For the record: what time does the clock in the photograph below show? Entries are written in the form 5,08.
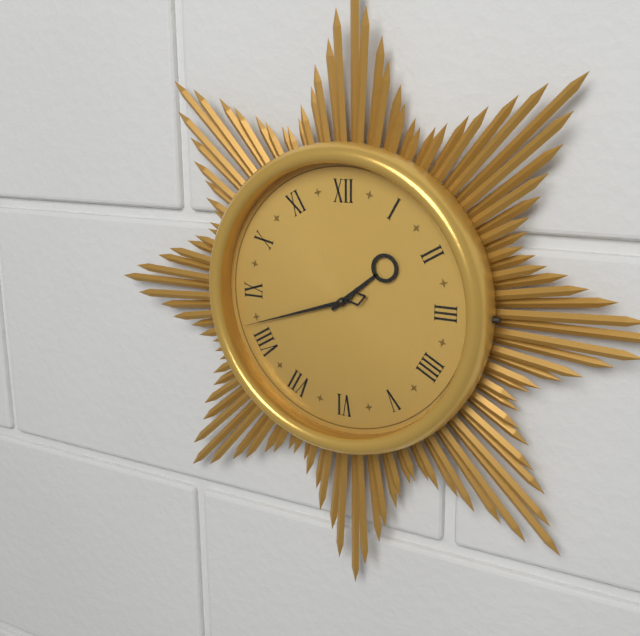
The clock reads 1,42
